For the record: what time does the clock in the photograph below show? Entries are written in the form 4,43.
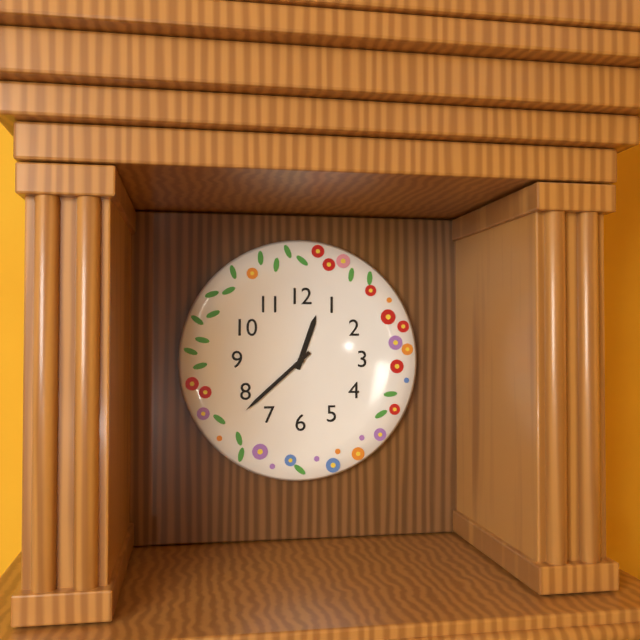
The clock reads 12,38
